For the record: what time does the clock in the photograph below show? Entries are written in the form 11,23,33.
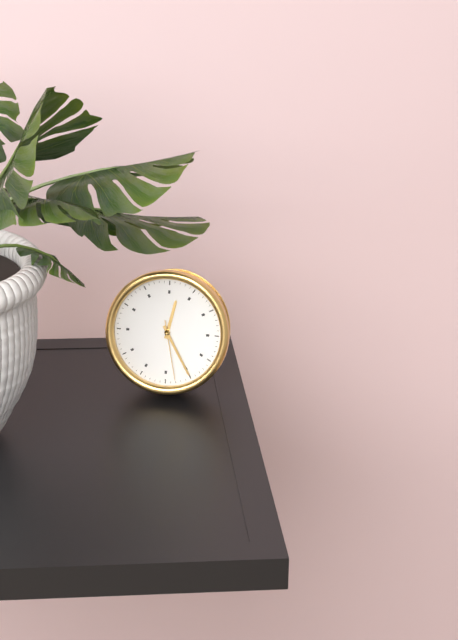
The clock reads 12,25,28
